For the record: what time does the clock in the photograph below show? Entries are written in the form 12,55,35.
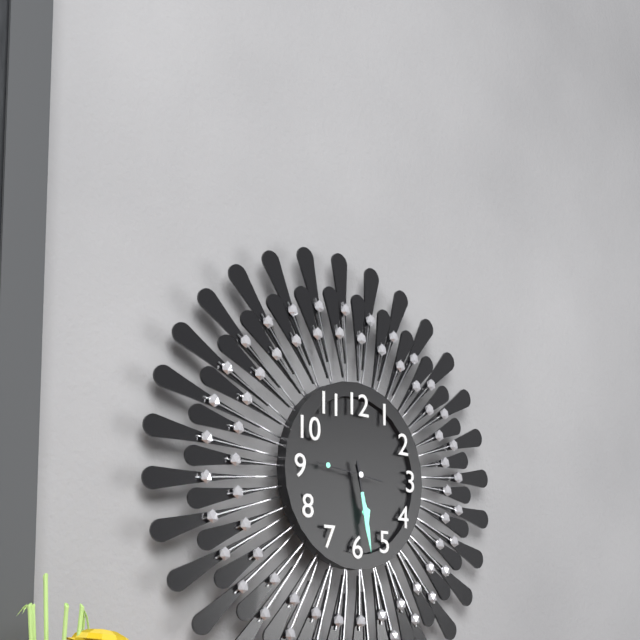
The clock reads 5,28,46
